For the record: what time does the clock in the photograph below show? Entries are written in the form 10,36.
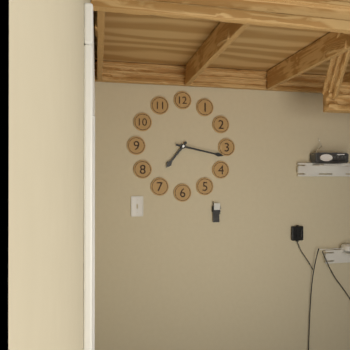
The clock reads 7,17
